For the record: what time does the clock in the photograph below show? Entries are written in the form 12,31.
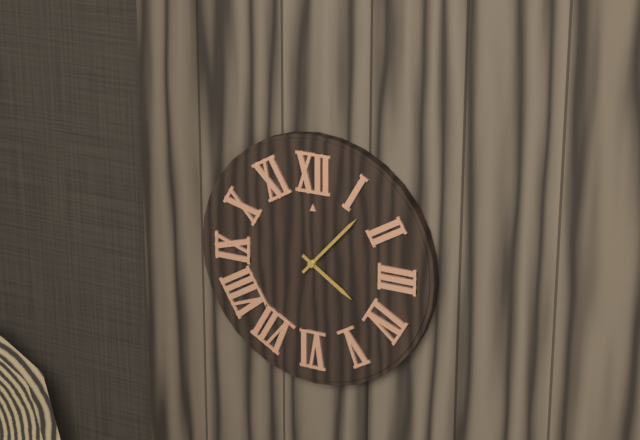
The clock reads 4,07
